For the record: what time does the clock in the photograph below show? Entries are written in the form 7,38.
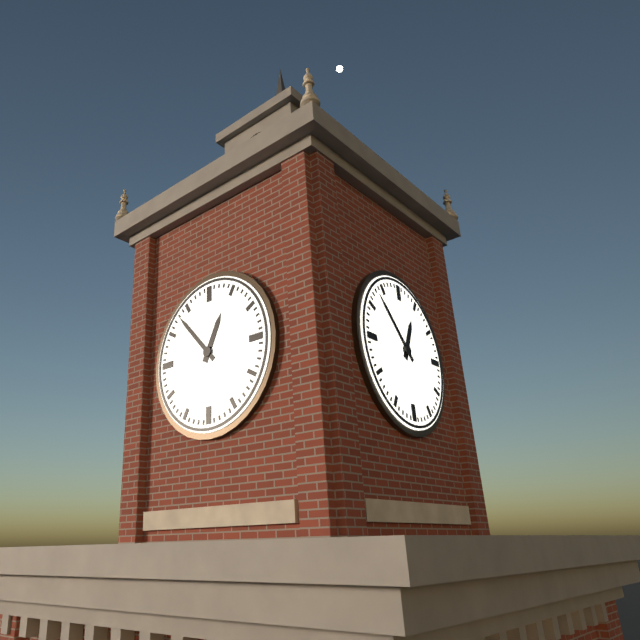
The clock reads 12,53
